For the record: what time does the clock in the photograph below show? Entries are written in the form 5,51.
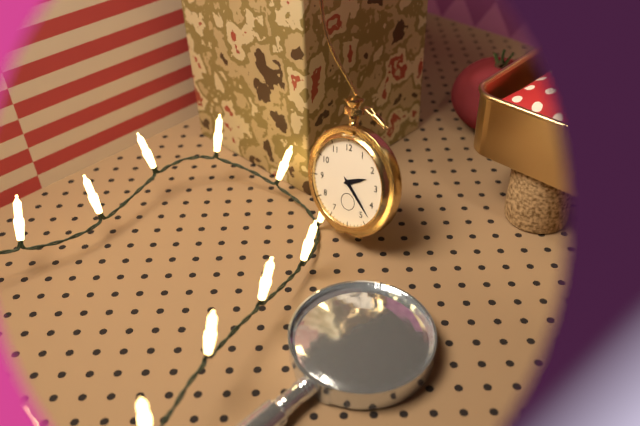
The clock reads 2,23
